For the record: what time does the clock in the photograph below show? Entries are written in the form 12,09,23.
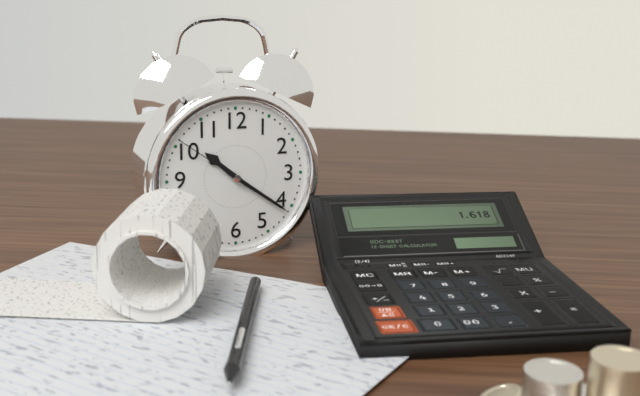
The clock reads 10,21,51
